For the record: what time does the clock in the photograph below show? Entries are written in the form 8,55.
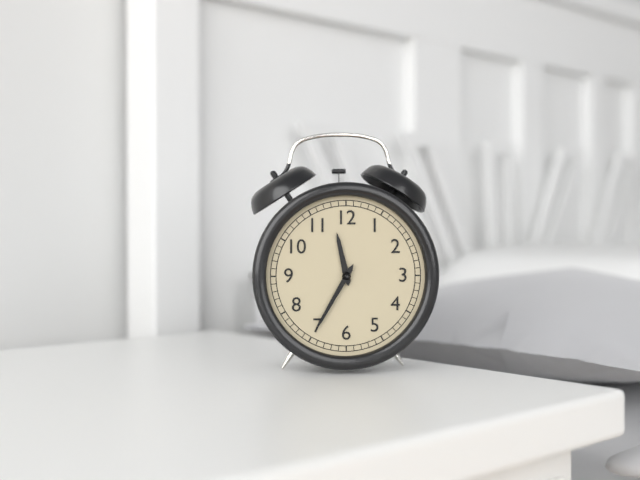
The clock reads 11,35
